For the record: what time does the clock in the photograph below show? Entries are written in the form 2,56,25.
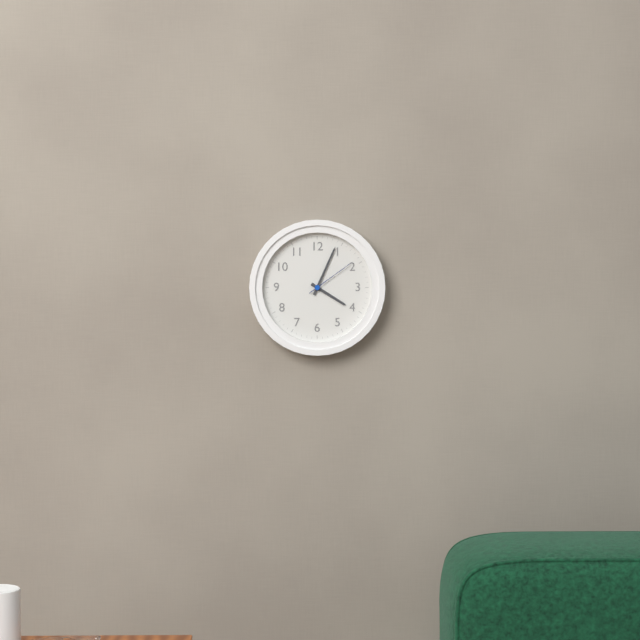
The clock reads 4,04,09
